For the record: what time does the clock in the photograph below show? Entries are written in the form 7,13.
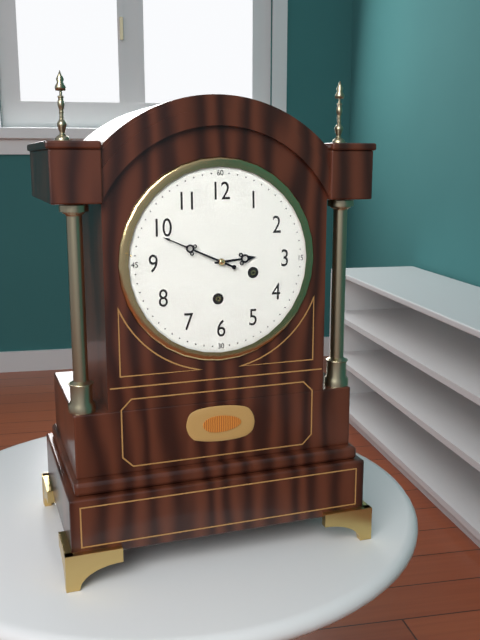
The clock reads 2,49
